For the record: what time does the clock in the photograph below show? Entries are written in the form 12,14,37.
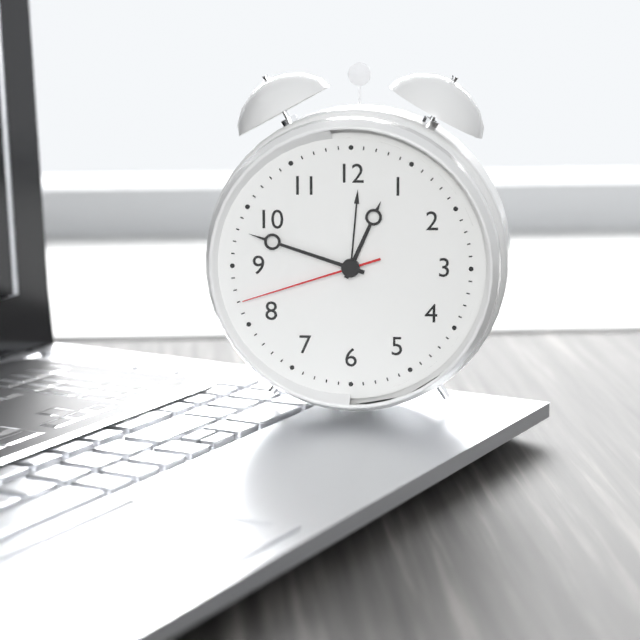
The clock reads 12,48,42
